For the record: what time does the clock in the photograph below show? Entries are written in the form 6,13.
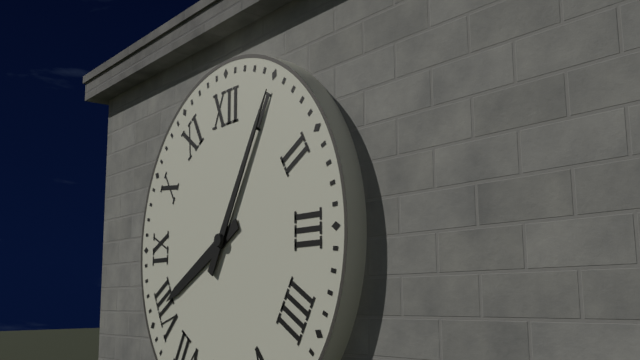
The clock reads 8,05
